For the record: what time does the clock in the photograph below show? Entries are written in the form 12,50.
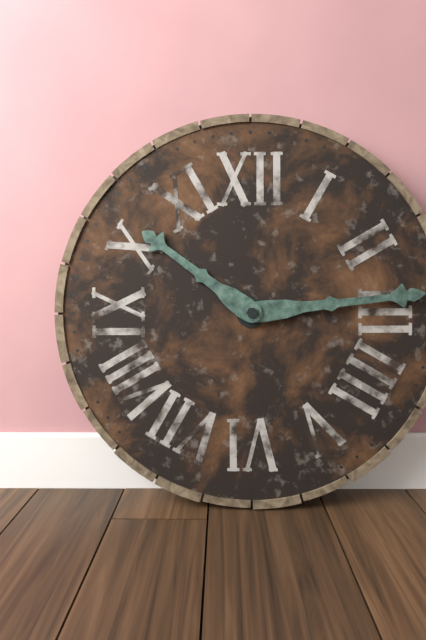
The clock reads 10,14
